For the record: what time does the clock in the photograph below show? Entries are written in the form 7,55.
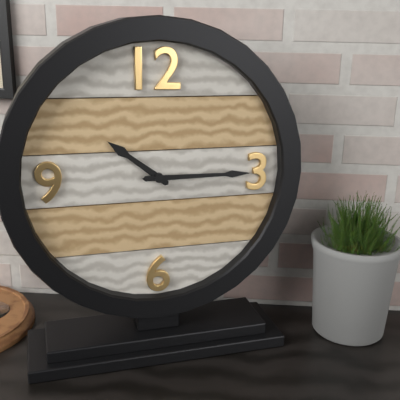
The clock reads 10,15
